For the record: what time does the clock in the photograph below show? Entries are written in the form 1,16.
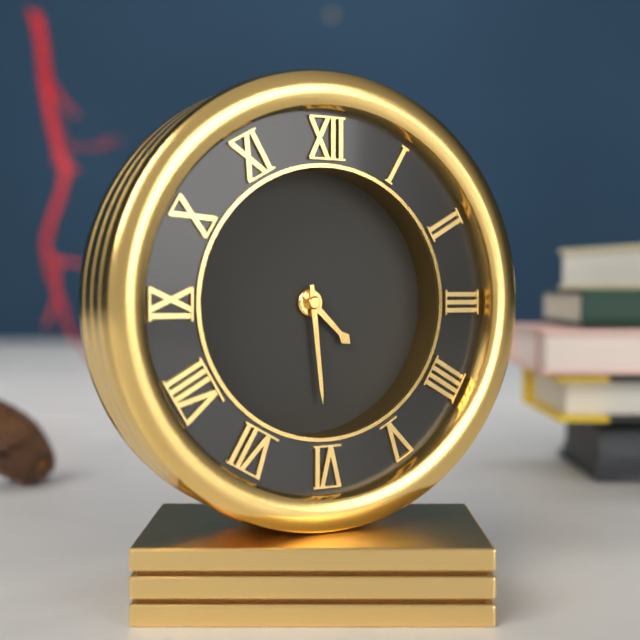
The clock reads 4,29
